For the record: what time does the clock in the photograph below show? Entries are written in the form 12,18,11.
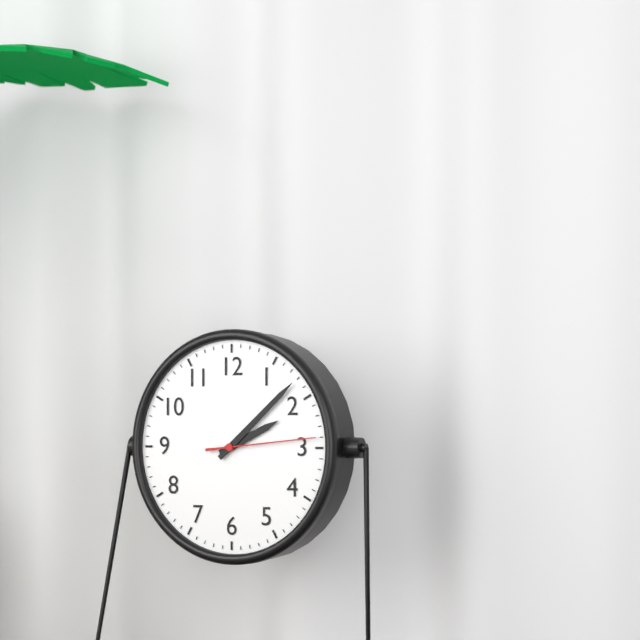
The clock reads 2,08,14
